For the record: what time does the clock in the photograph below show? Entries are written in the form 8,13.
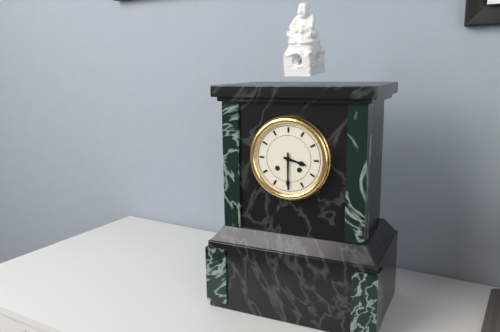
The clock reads 3,30
